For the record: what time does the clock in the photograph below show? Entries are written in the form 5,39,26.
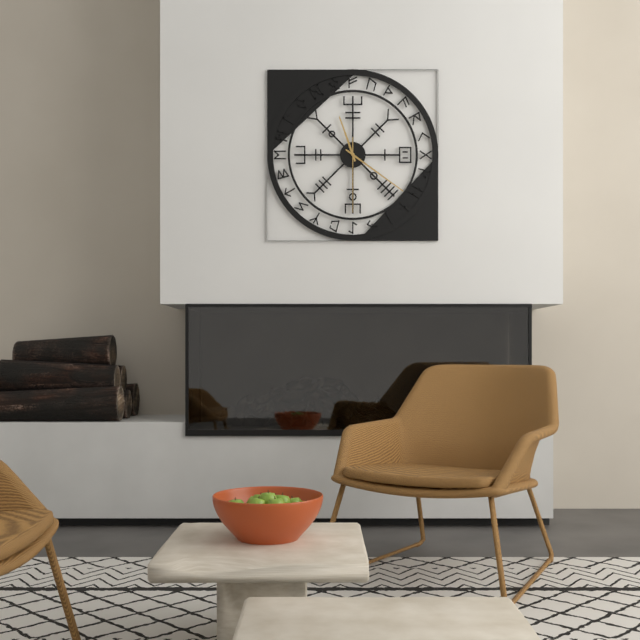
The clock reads 11,21,30
